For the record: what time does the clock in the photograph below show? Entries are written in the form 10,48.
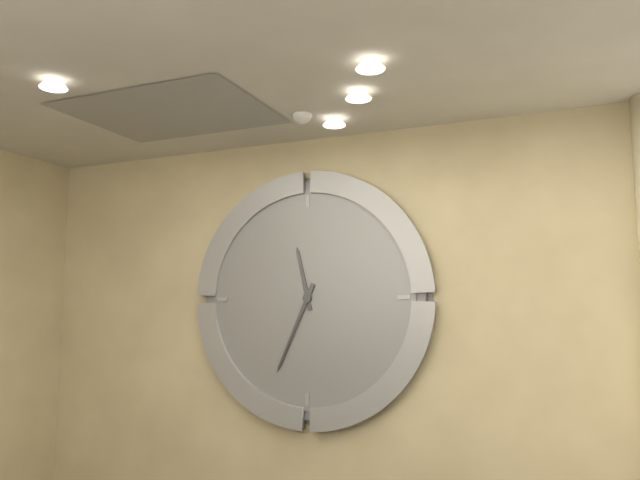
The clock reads 11,34
